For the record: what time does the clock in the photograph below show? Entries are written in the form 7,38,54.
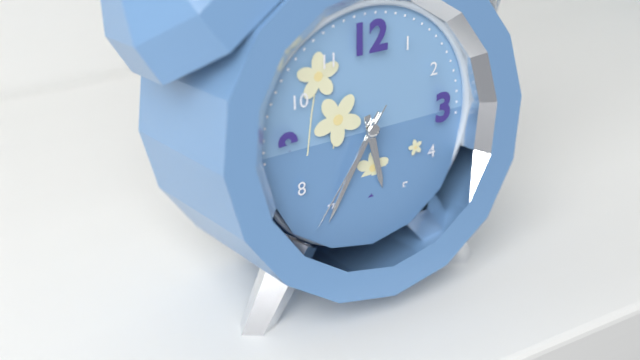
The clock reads 5,35,36
